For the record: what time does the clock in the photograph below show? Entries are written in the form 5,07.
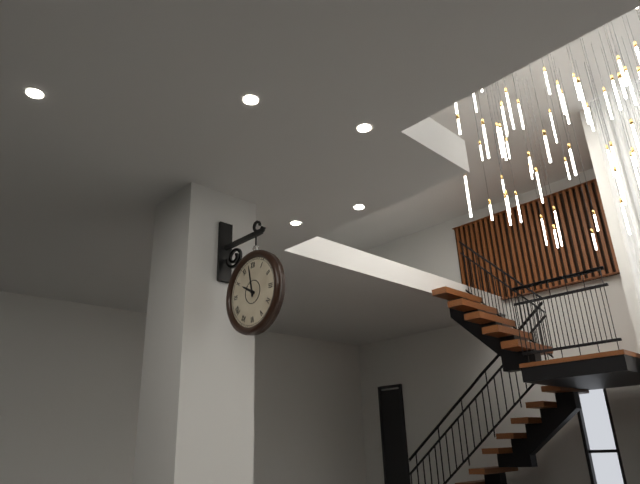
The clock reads 9,58
